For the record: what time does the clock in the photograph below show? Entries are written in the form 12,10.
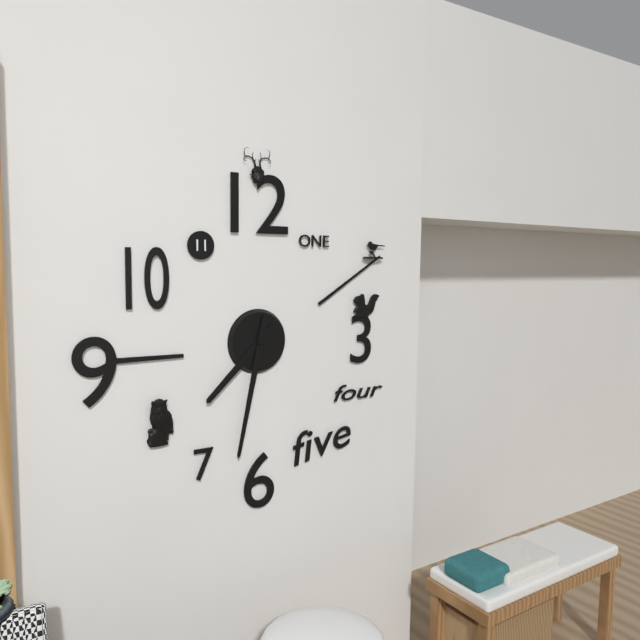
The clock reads 7,32
